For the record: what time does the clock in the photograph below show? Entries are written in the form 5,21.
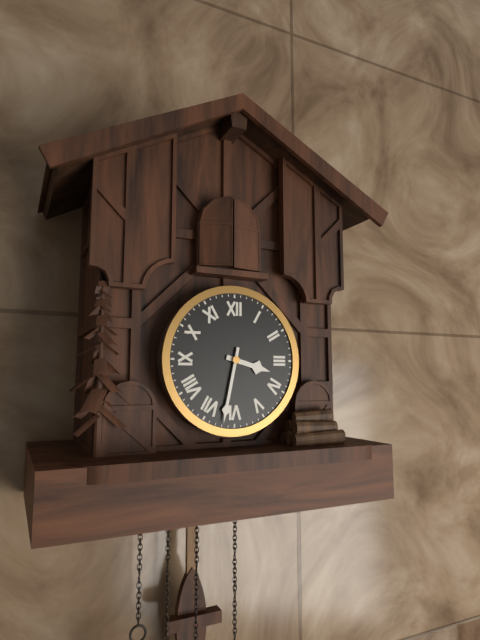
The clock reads 3,32
